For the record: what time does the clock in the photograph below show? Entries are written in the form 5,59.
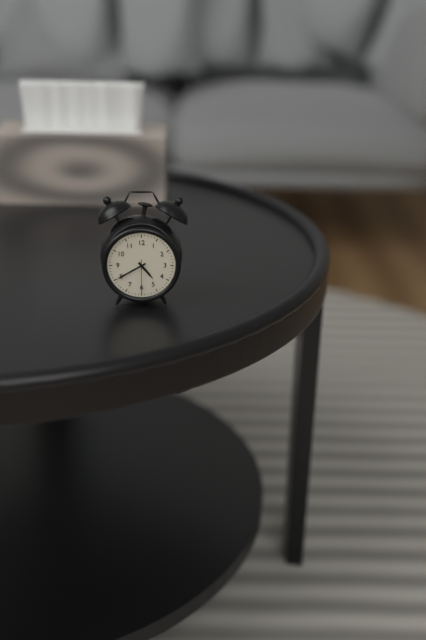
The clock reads 4,40
